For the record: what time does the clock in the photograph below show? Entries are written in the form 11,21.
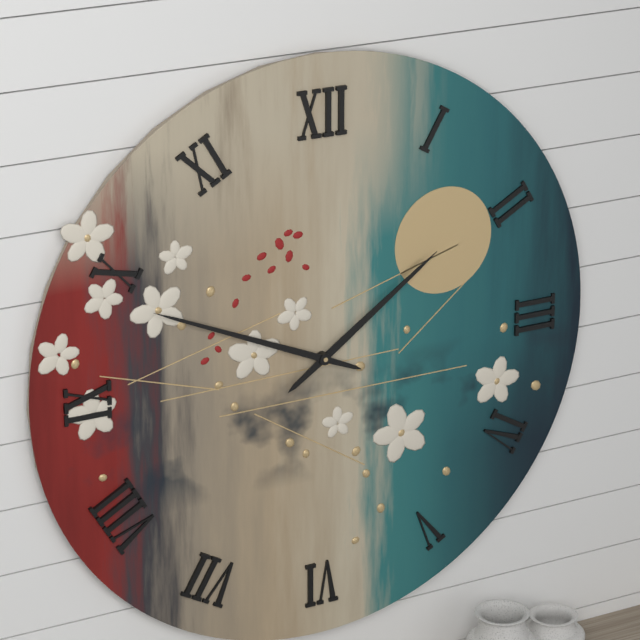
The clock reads 1,49
